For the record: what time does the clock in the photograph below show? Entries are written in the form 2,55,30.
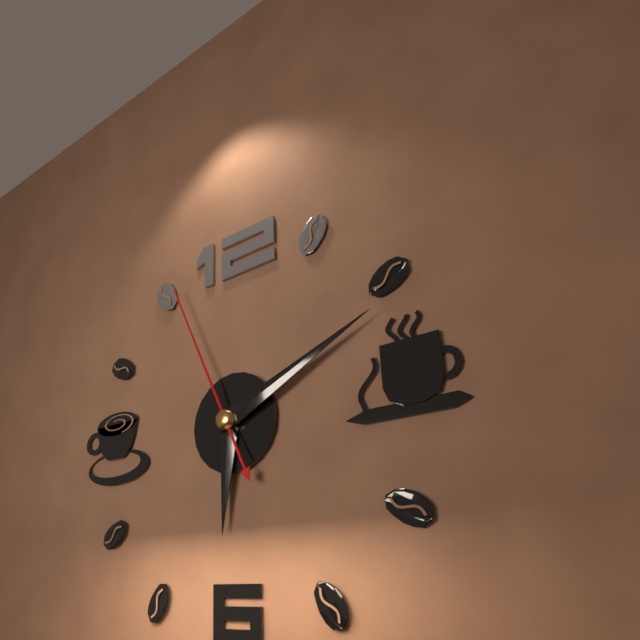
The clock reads 6,11,56
